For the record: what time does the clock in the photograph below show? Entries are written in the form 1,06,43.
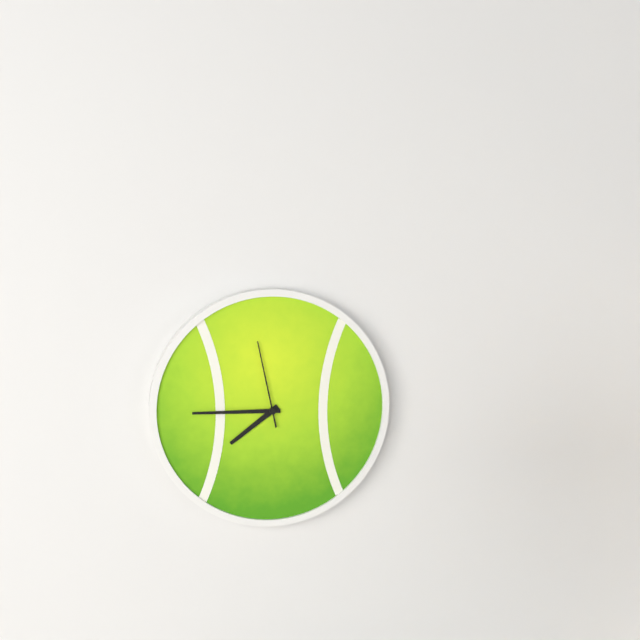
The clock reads 7,45,58
